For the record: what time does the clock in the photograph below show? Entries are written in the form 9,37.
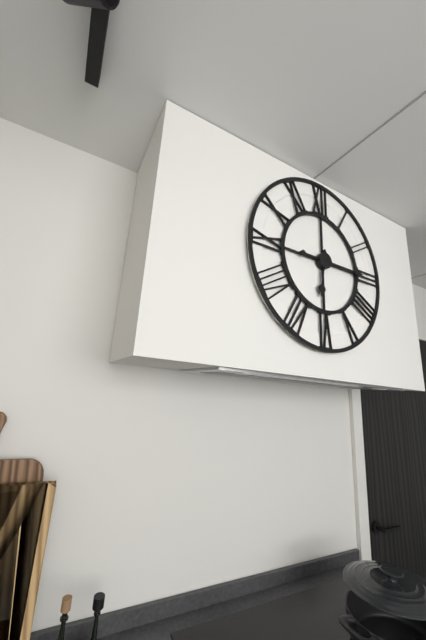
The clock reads 6,15
